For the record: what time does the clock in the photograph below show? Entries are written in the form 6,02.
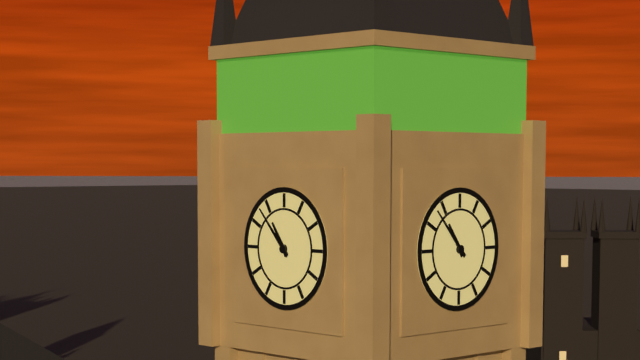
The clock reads 10,53
